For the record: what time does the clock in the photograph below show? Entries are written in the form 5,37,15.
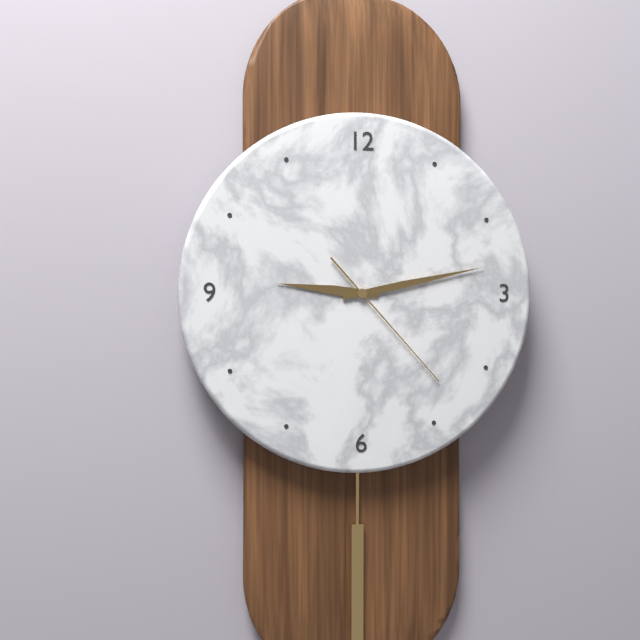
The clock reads 9,13,23
